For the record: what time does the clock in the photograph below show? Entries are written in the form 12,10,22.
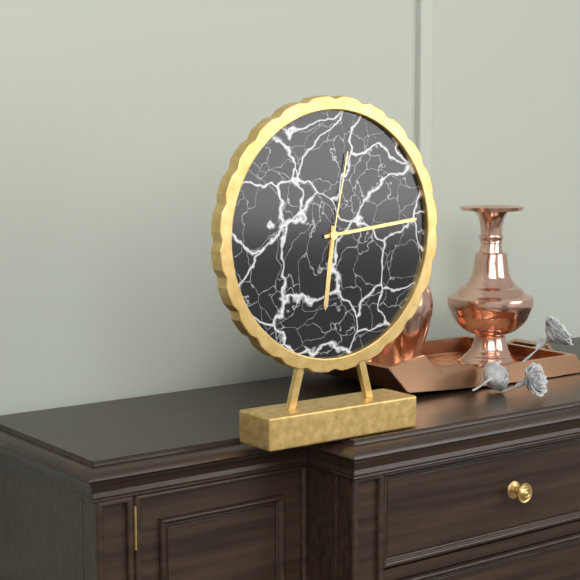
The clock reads 6,14,02
